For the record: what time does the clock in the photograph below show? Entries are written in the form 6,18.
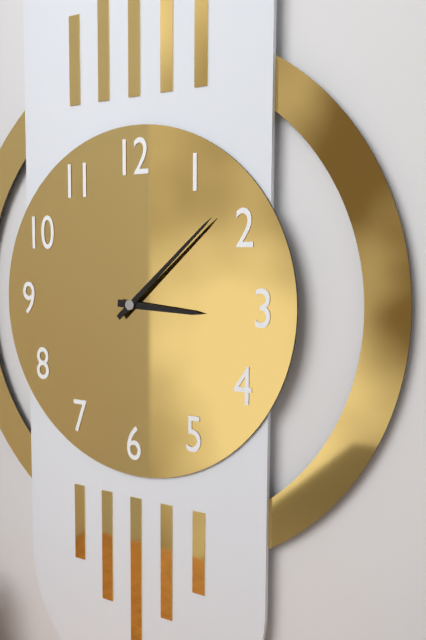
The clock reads 3,08
